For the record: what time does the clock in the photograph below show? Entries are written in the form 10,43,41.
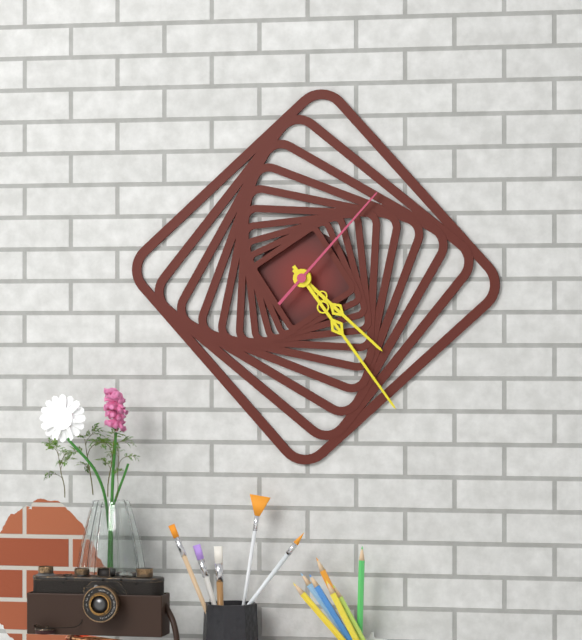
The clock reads 4,24,07
